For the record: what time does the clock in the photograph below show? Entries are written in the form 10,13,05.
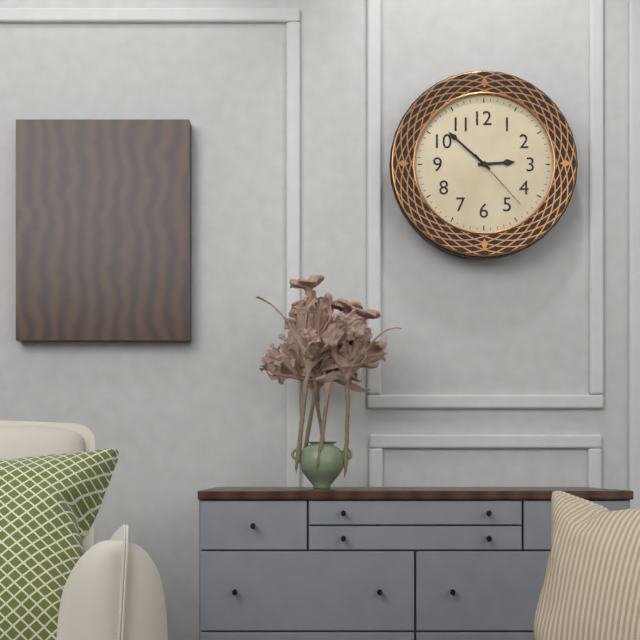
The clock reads 2,52,23
